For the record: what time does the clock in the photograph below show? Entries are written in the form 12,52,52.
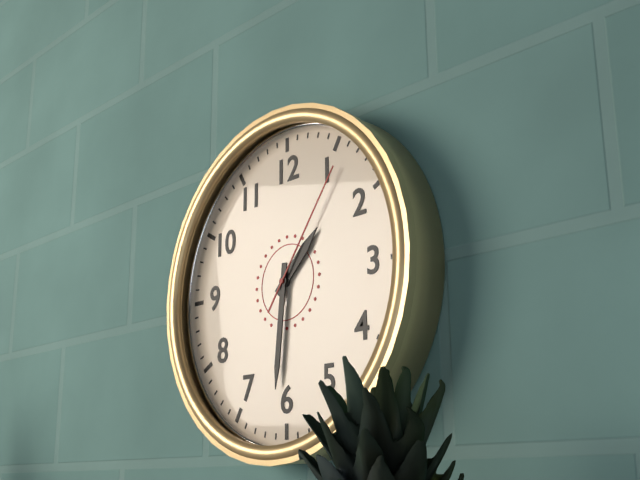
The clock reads 1,31,06
